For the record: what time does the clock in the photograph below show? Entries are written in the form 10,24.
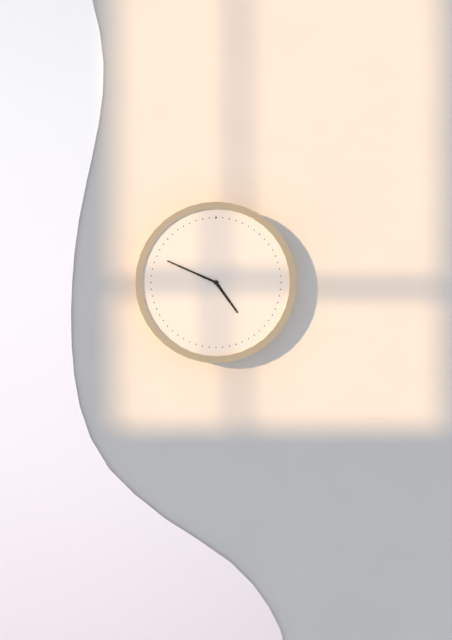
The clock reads 4,49
